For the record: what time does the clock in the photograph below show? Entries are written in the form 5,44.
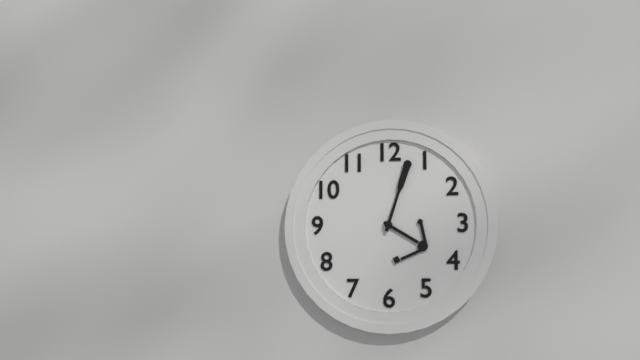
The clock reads 4,03
